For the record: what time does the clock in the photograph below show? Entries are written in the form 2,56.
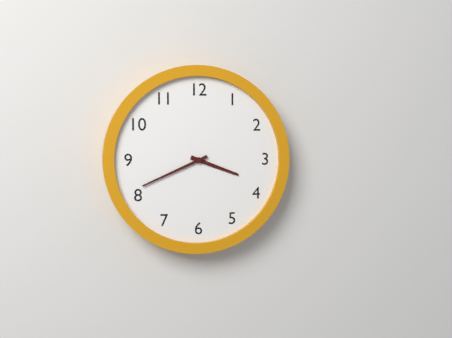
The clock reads 3,41
